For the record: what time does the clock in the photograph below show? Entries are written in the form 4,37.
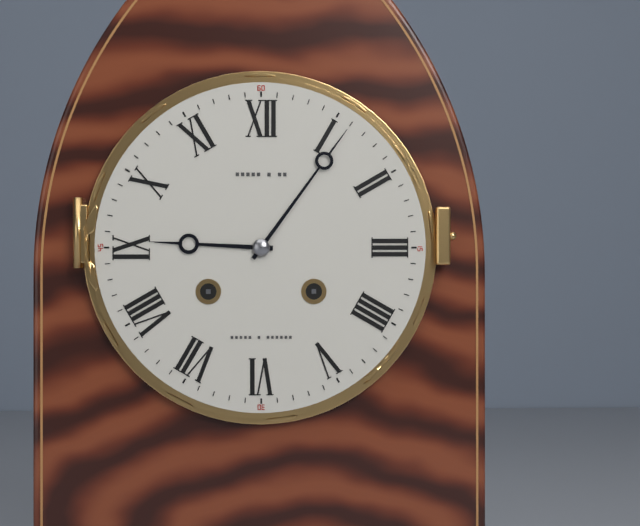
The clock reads 9,06
